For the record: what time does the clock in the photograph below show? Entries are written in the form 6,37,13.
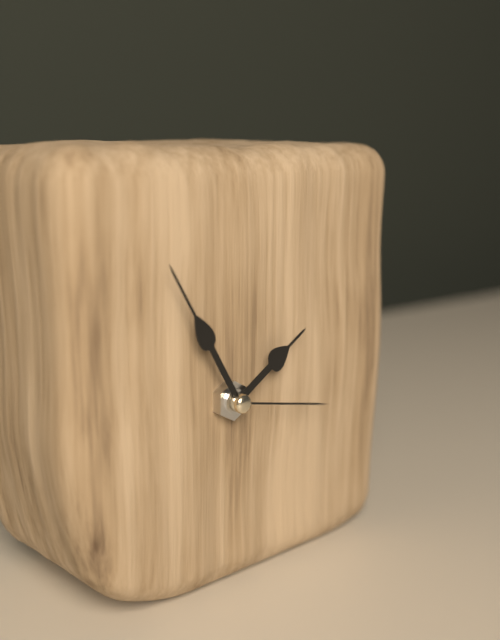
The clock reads 1,55,17
